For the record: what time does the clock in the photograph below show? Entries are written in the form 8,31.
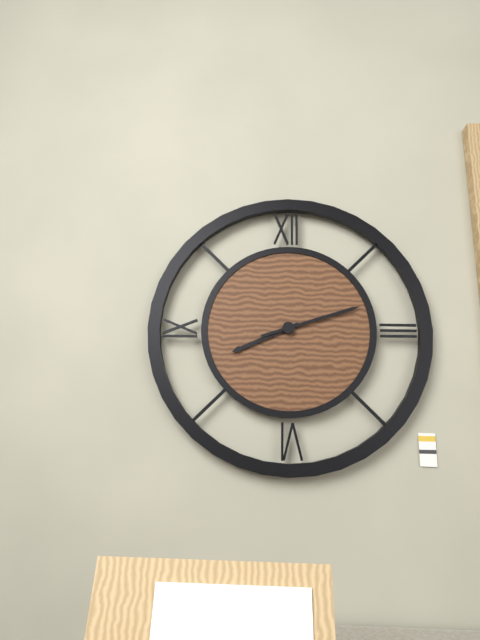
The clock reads 8,12
